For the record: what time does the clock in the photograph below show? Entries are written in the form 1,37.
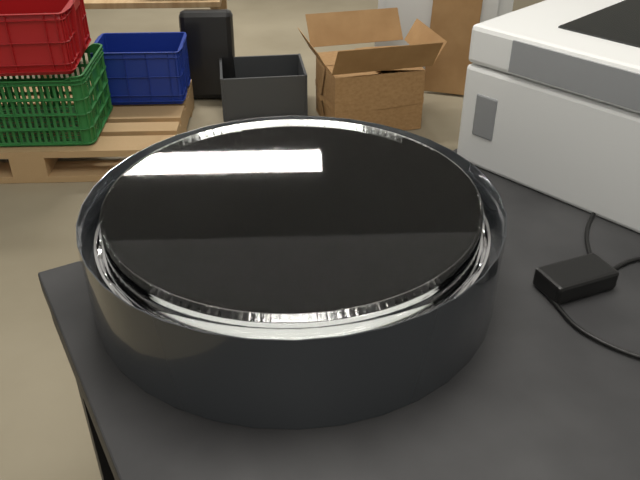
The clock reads 7,21
